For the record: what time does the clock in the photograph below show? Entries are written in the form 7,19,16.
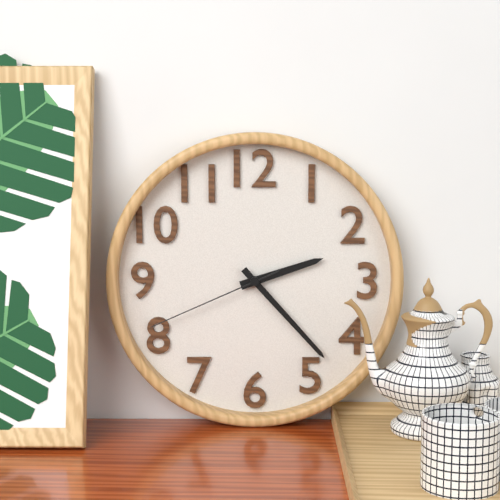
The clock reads 2,23,41
